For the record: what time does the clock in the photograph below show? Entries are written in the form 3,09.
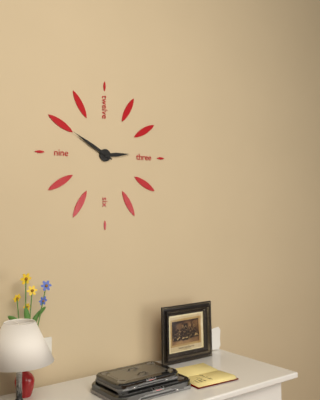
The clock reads 2,50
